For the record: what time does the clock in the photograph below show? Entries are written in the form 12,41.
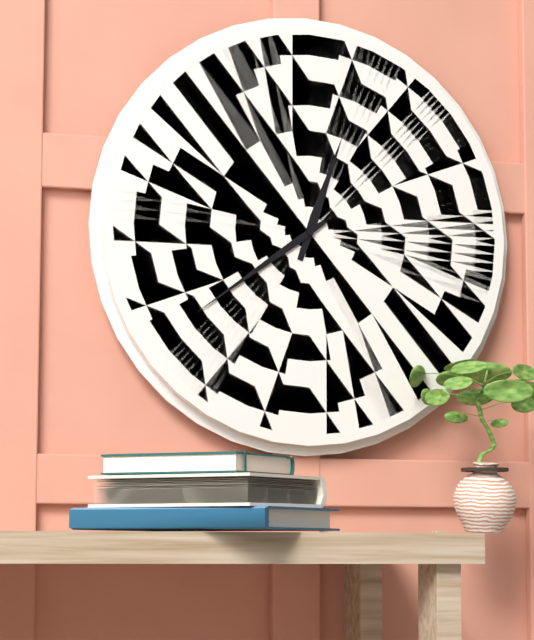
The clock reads 12,39
